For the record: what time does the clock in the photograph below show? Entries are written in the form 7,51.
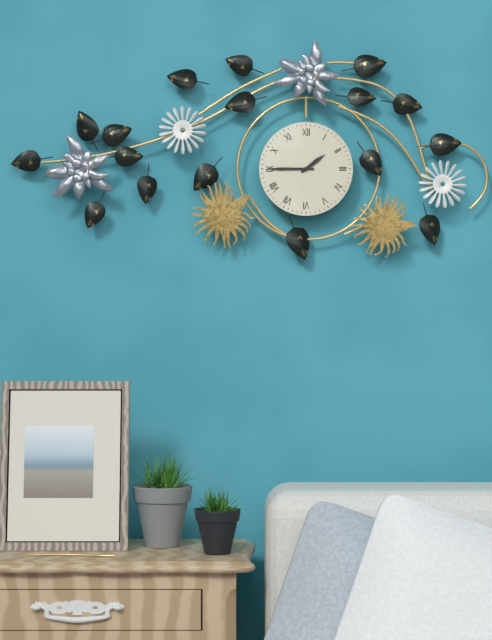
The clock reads 1,45
